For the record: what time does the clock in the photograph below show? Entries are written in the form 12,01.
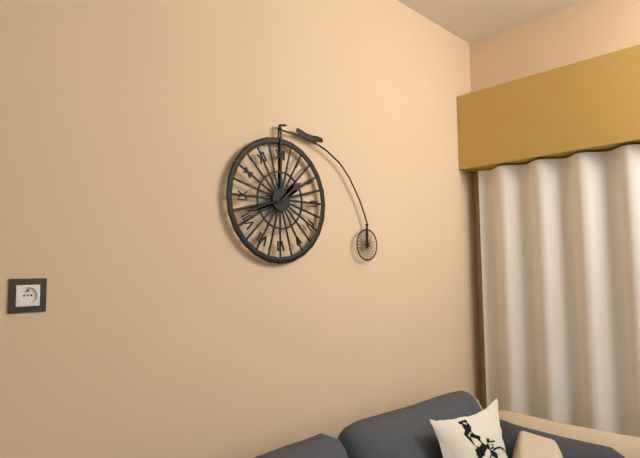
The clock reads 1,42
